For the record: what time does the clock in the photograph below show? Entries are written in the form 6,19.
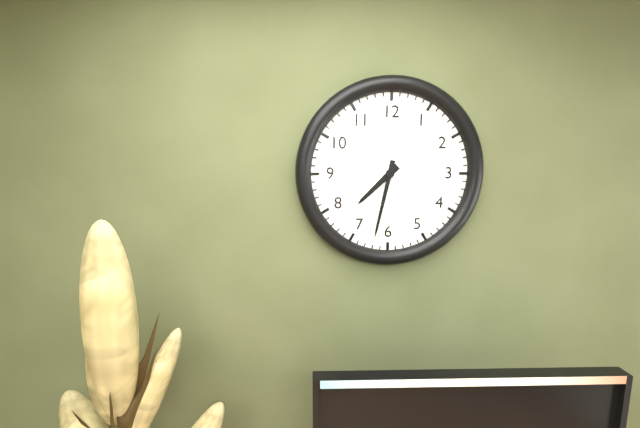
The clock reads 7,32
